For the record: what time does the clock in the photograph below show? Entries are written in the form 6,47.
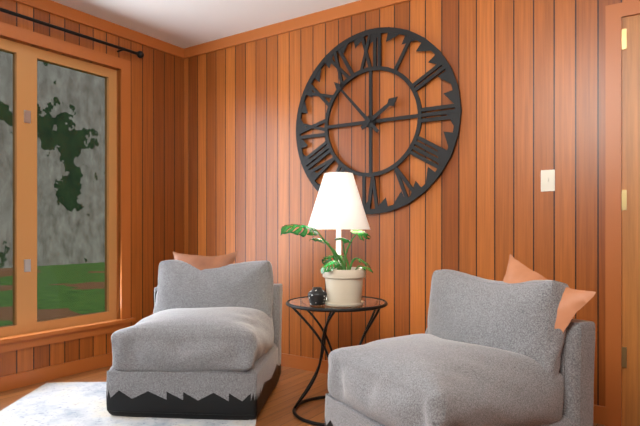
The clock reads 1,53
